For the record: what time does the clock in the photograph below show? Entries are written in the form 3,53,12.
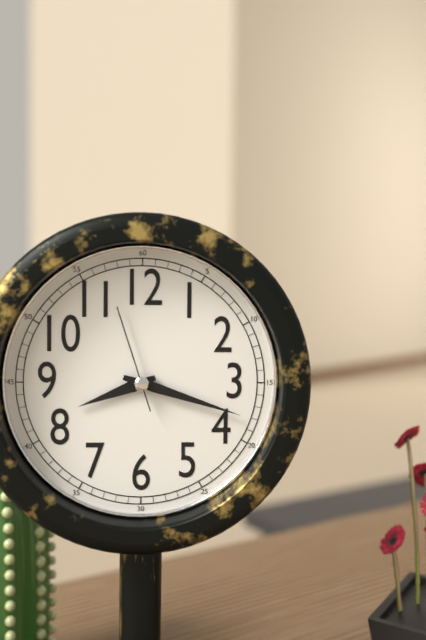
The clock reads 8,18,57
